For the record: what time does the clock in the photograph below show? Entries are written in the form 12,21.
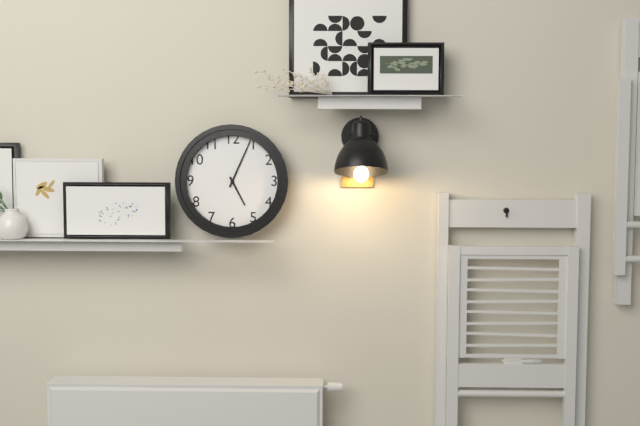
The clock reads 5,04
